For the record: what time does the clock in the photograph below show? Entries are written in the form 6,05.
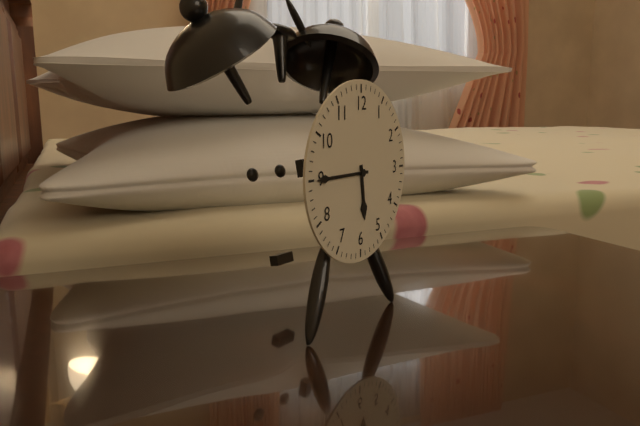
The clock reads 5,45
